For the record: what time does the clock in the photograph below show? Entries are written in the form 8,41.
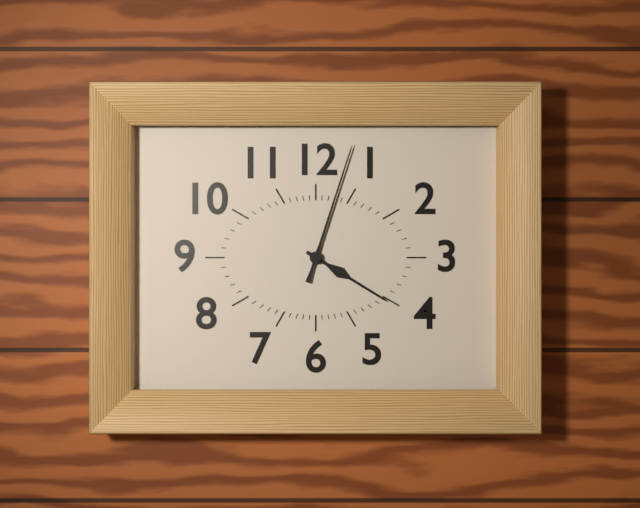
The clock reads 4,03
